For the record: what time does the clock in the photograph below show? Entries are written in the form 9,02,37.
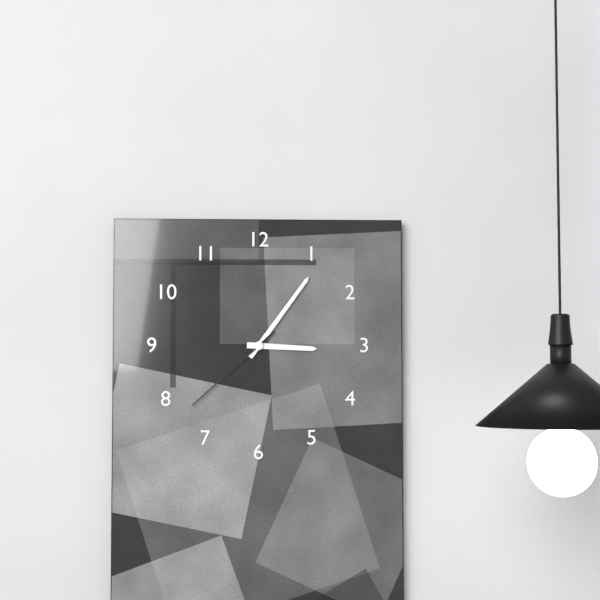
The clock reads 3,06,38
